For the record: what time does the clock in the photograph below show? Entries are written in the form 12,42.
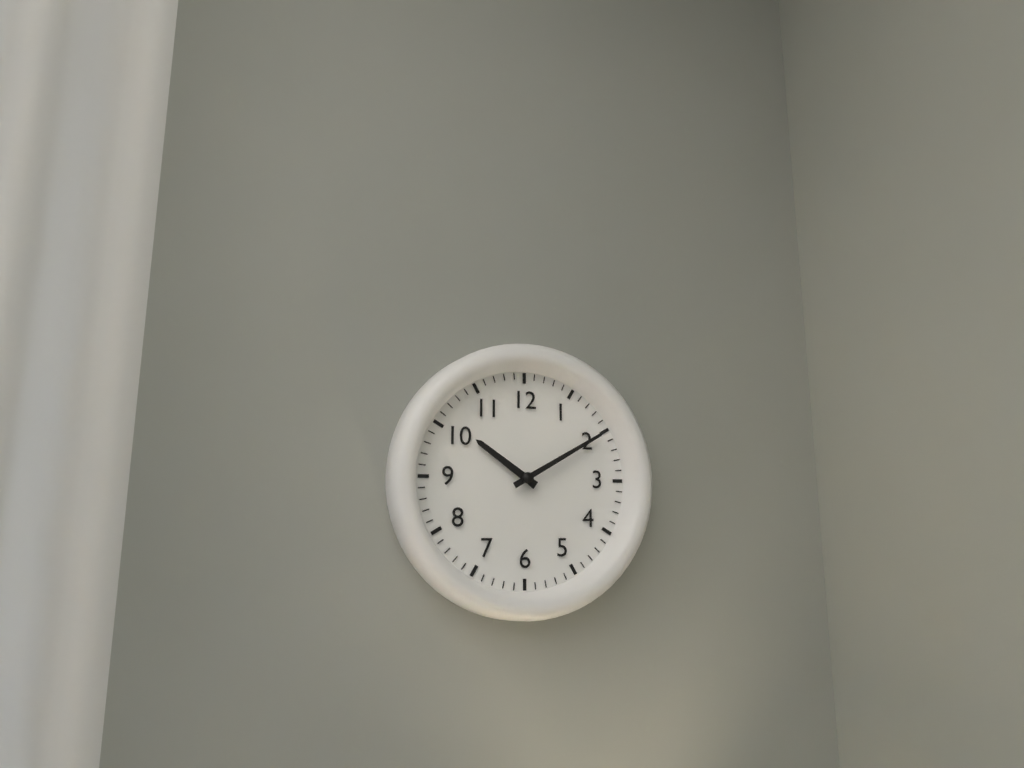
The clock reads 10,10
